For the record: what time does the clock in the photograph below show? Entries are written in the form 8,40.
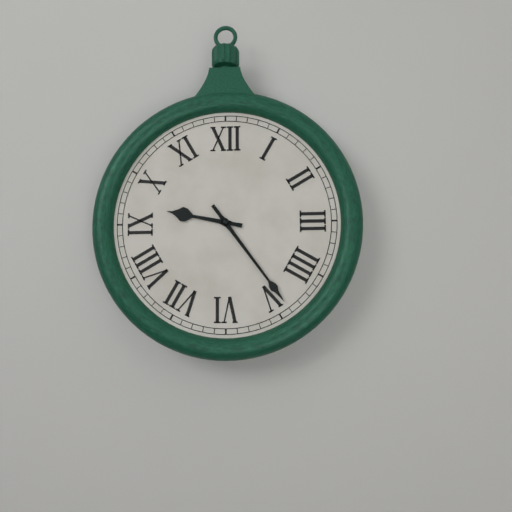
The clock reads 9,24
